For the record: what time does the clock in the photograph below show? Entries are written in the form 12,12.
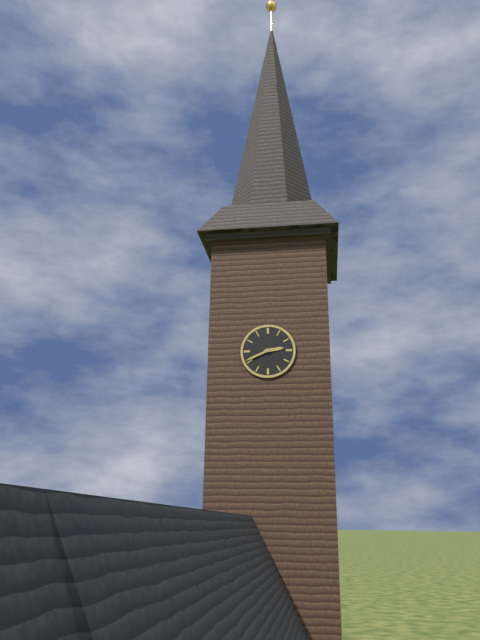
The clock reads 2,41
